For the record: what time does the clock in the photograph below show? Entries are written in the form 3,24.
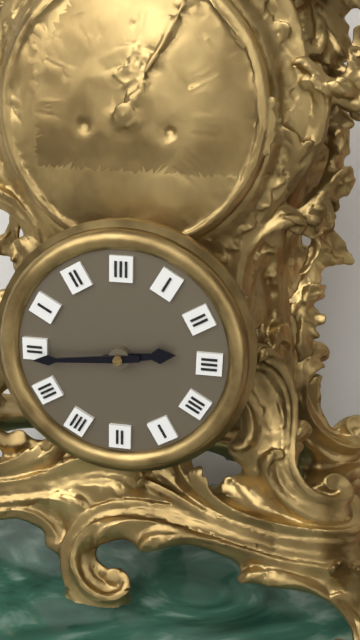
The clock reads 2,44
